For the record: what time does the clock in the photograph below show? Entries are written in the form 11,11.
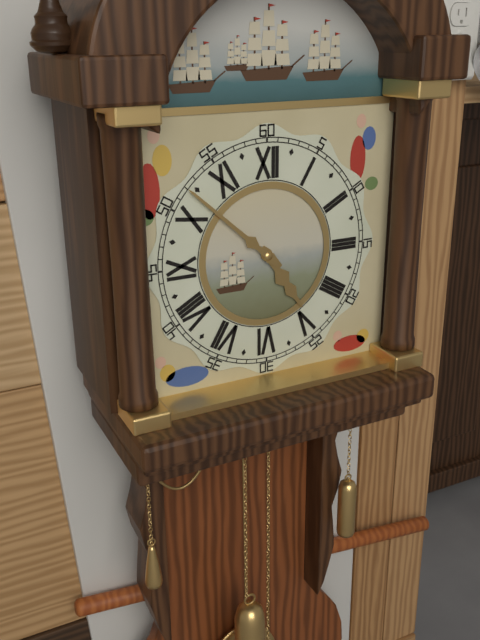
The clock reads 4,52
